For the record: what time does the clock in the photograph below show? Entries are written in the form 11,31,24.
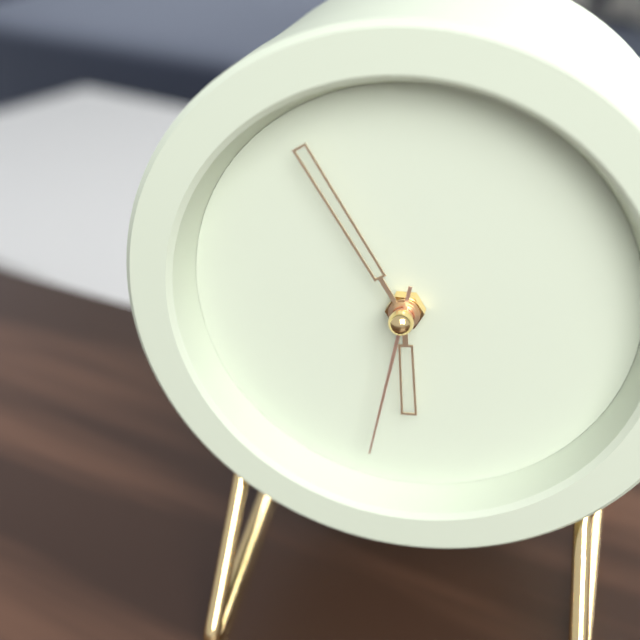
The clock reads 5,55,32
